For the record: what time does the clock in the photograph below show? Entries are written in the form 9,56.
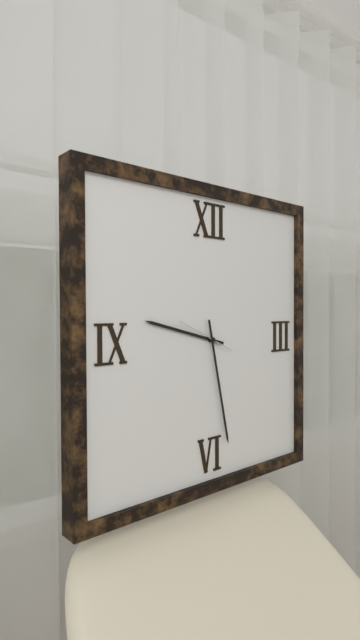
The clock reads 9,28
